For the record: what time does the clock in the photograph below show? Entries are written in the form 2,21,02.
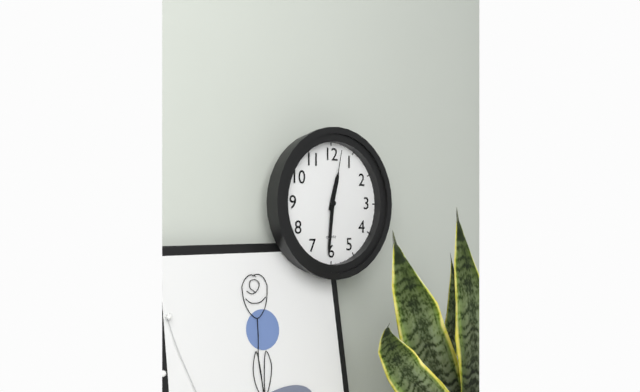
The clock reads 12,31,02
